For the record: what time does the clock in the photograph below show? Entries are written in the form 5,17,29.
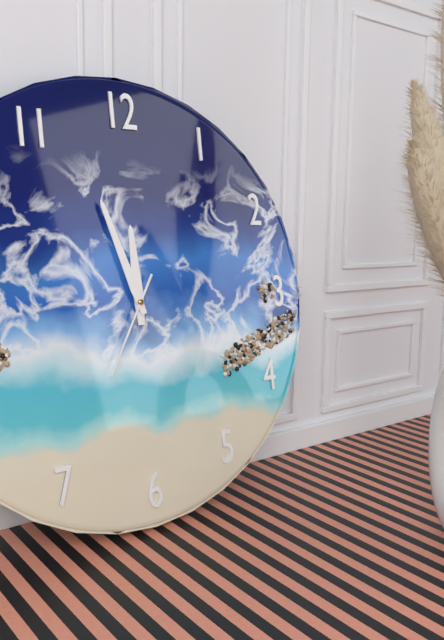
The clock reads 11,57,35
